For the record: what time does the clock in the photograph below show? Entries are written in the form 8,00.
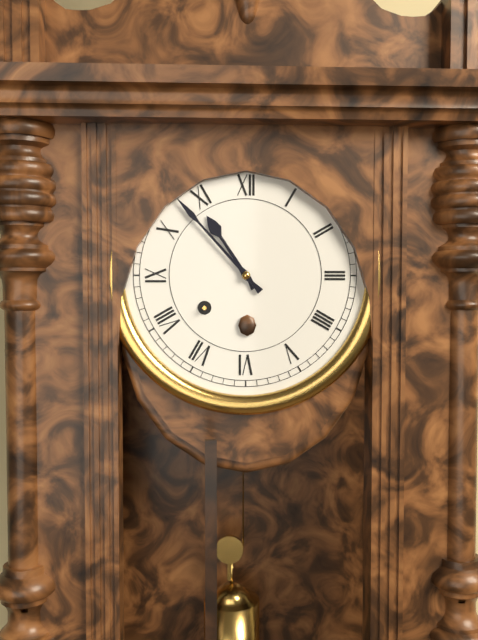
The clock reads 10,53
